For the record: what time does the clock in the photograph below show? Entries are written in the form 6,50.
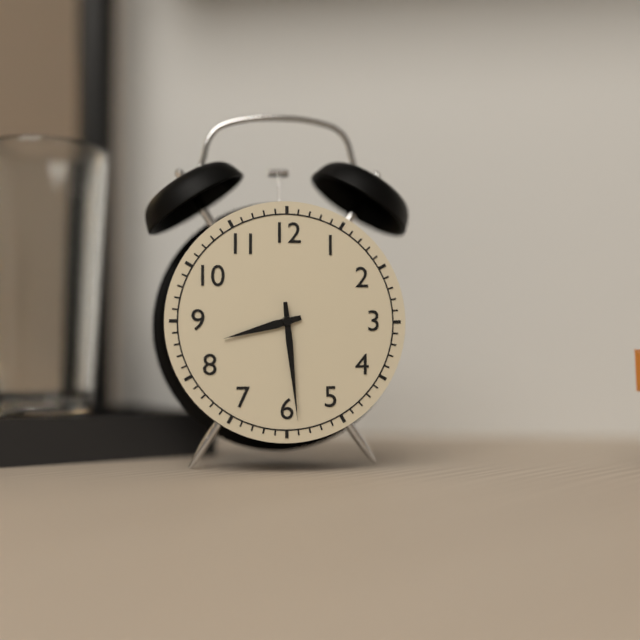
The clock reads 8,29
